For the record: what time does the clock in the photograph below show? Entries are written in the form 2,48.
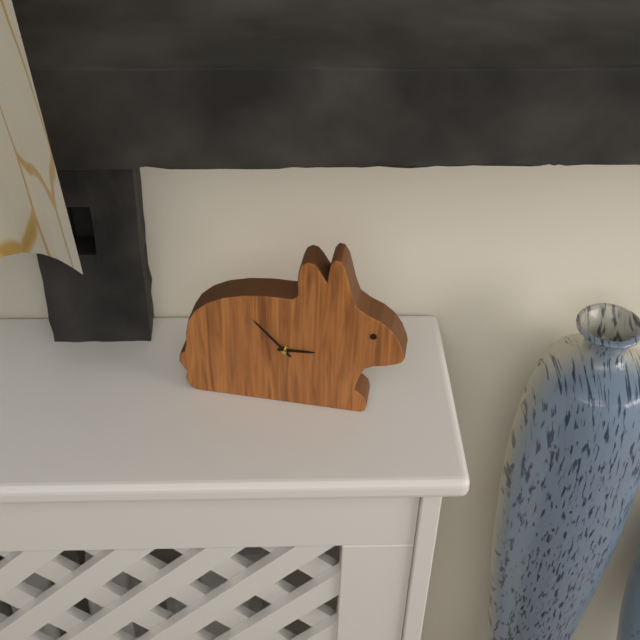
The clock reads 2,53
